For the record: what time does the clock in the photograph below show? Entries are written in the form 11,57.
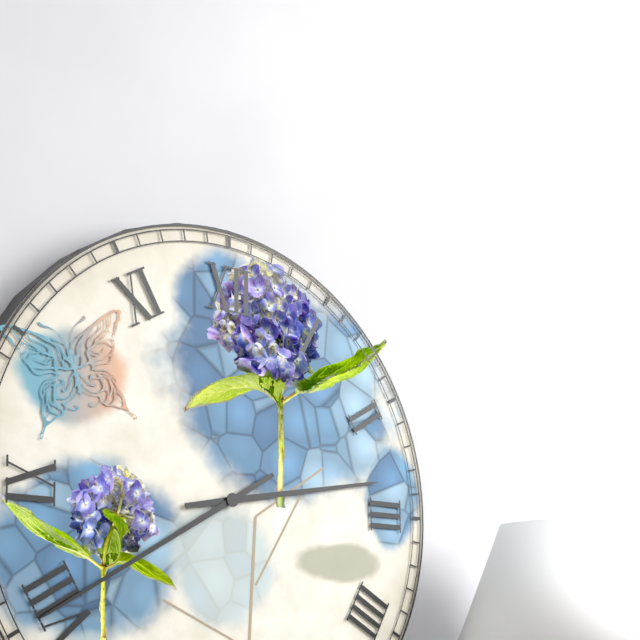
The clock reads 2,40
